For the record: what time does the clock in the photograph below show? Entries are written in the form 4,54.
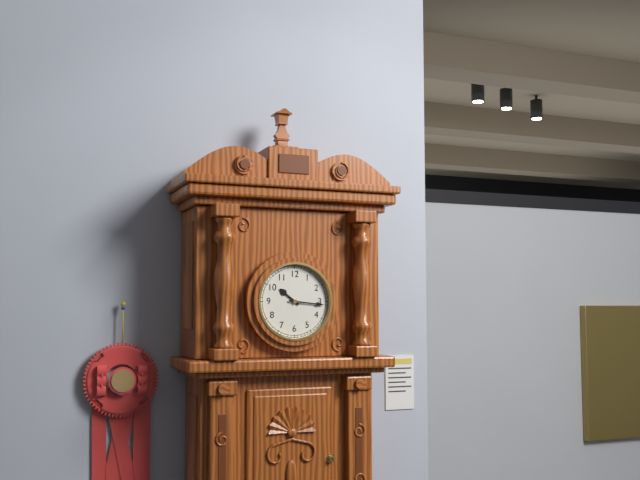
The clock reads 10,16
